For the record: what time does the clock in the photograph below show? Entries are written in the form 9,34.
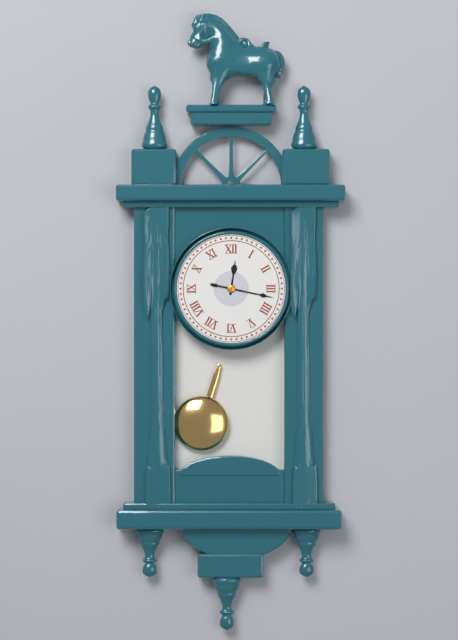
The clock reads 12,17
